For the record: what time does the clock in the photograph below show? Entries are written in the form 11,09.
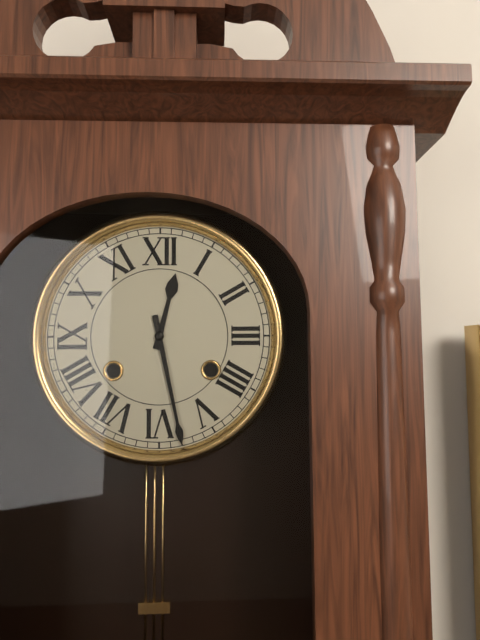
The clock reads 12,28
